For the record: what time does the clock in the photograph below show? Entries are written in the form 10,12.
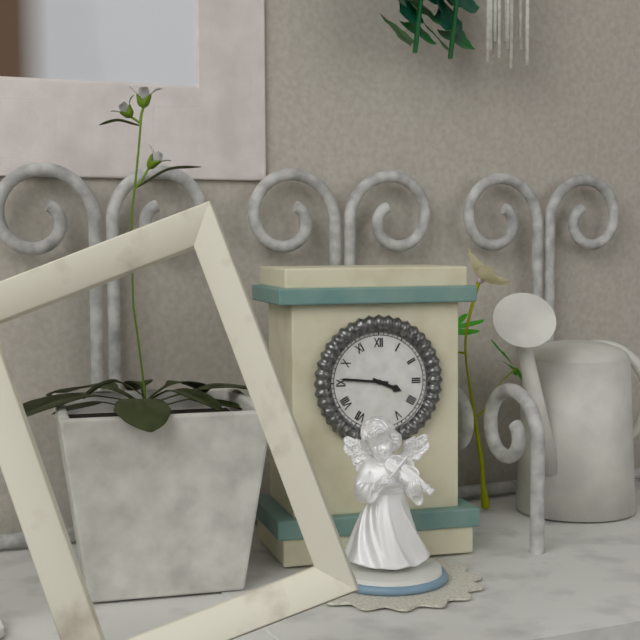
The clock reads 3,46
